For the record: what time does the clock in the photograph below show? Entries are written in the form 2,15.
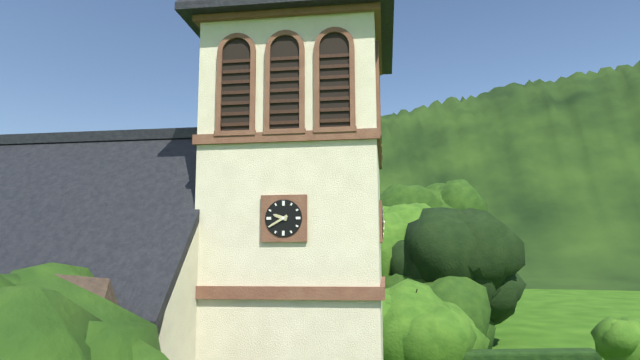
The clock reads 9,40
